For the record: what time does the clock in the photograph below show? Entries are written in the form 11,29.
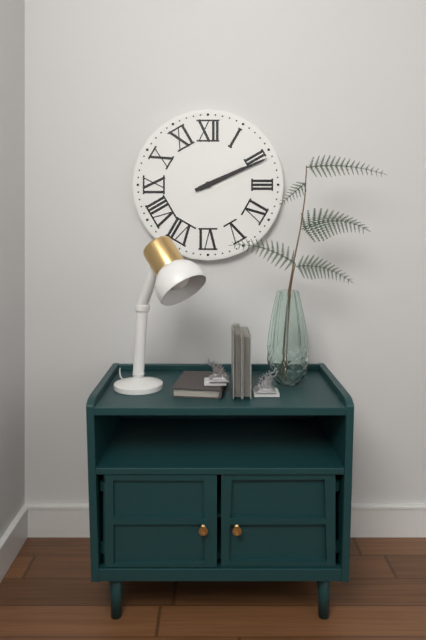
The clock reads 2,11
